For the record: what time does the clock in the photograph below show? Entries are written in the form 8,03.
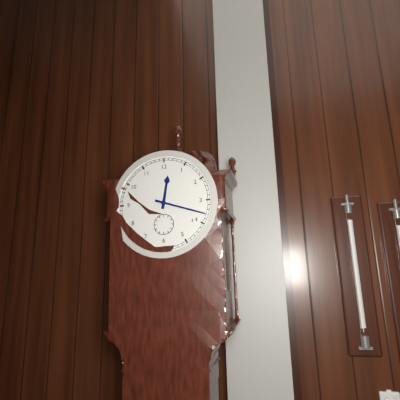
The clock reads 12,18
